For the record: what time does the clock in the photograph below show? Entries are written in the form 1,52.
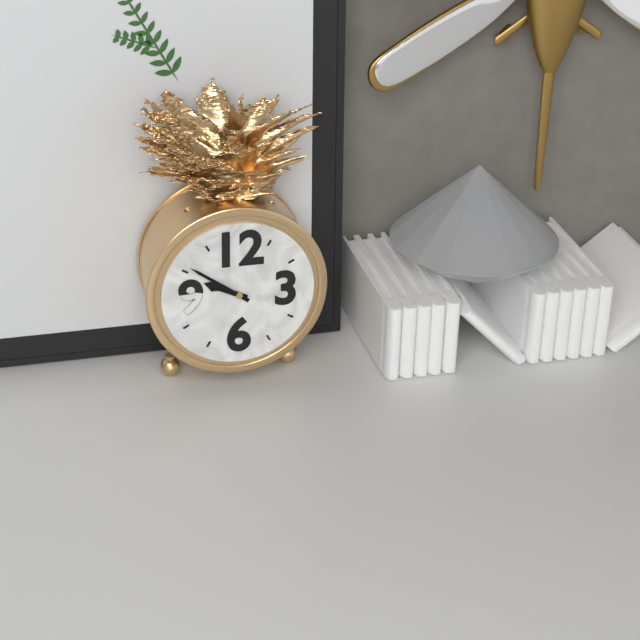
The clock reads 9,51
